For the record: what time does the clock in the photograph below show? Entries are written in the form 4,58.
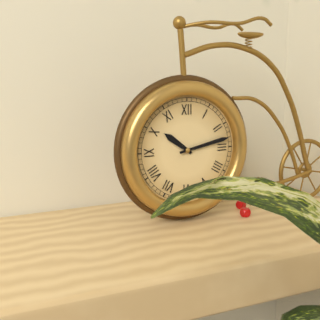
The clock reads 10,13
